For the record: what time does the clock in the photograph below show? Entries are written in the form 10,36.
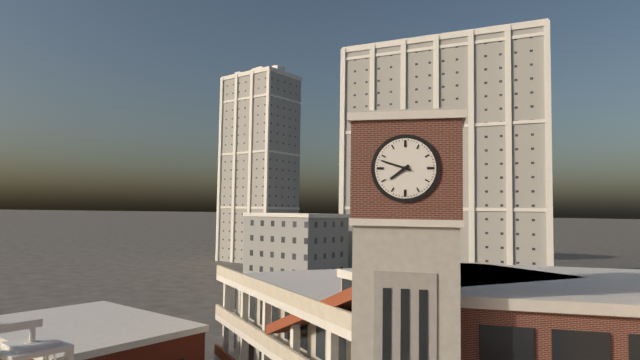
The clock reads 7,48
